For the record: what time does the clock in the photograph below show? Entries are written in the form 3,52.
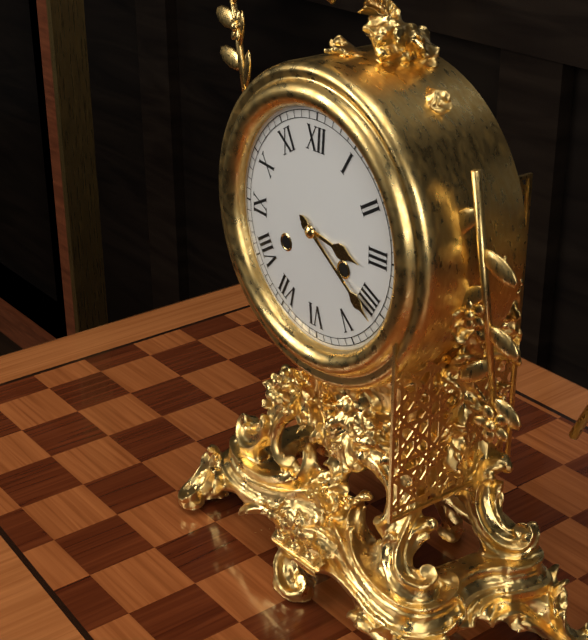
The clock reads 3,21
